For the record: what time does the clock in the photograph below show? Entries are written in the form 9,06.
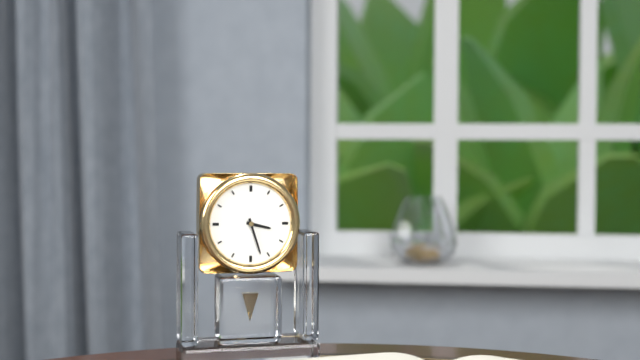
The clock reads 3,27
